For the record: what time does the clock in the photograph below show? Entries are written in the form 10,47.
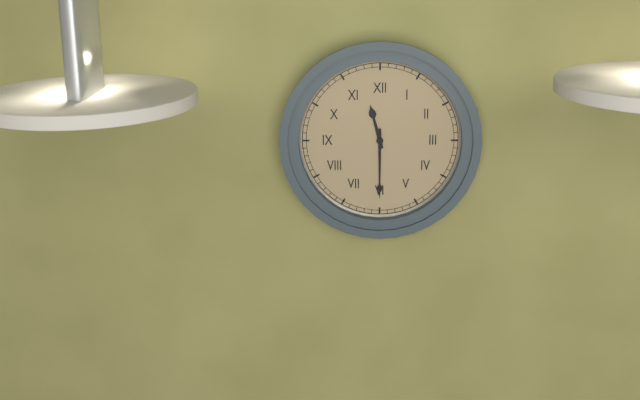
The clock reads 11,30
